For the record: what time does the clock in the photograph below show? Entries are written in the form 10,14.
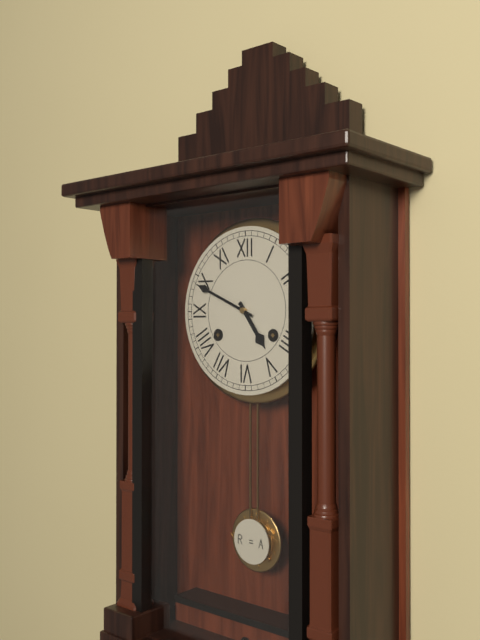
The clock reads 4,49
